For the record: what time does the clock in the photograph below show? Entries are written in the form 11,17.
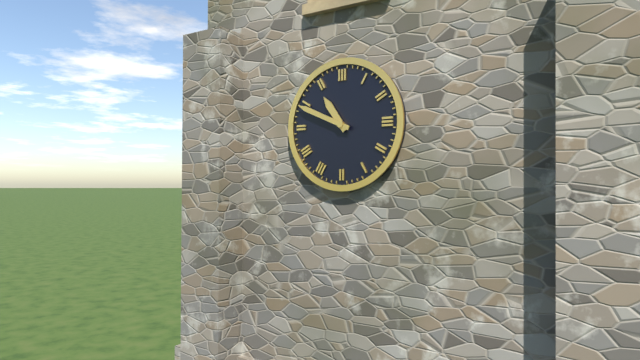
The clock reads 10,49
